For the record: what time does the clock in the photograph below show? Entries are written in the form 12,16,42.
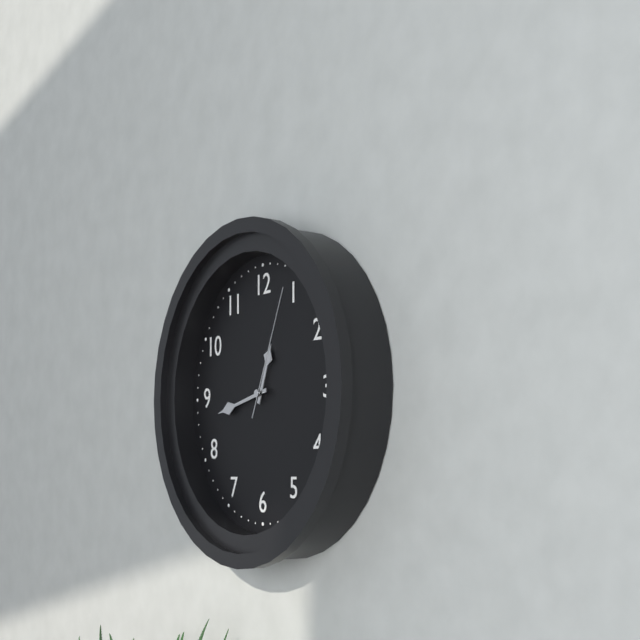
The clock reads 12,43,04
